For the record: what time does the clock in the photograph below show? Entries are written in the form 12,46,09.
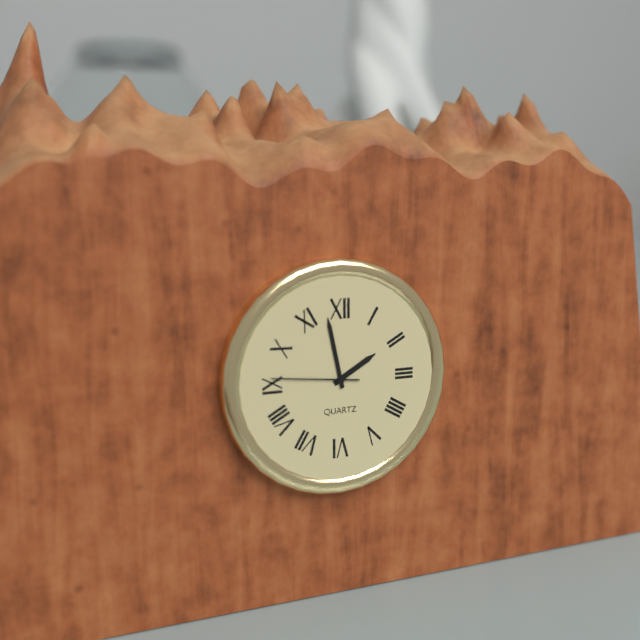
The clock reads 1,58,46
